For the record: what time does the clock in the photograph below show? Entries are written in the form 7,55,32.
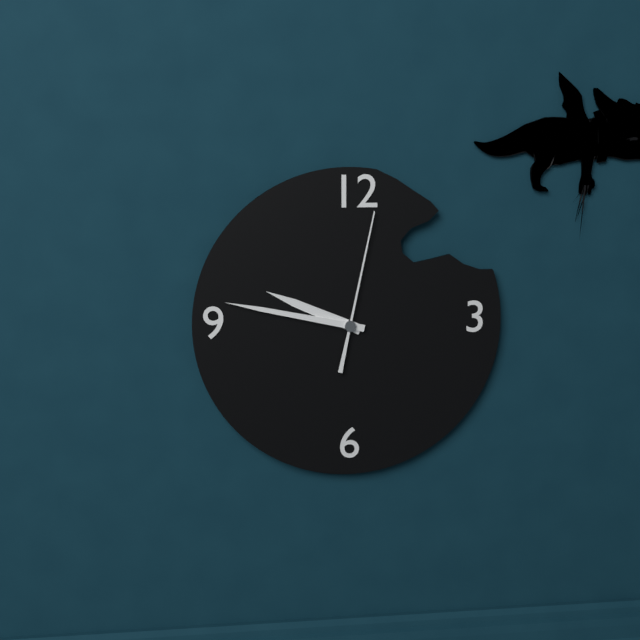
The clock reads 9,47,02
